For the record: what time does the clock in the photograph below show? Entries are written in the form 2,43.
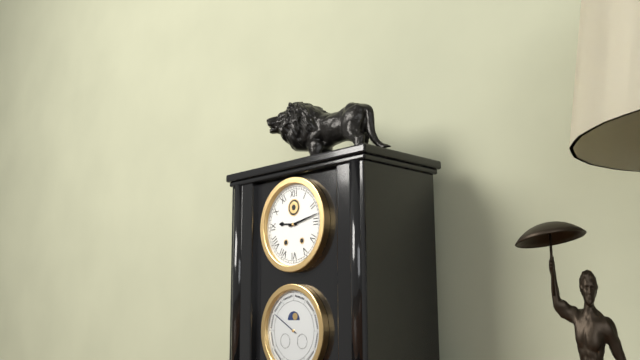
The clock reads 9,13
